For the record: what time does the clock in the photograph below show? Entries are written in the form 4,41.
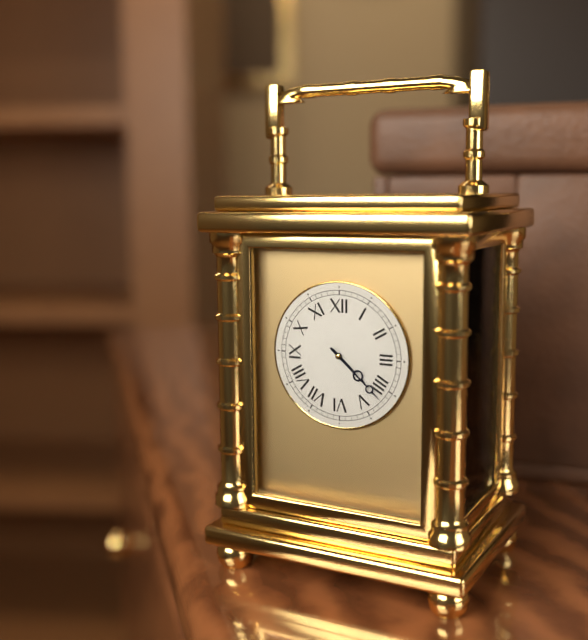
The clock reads 4,22
